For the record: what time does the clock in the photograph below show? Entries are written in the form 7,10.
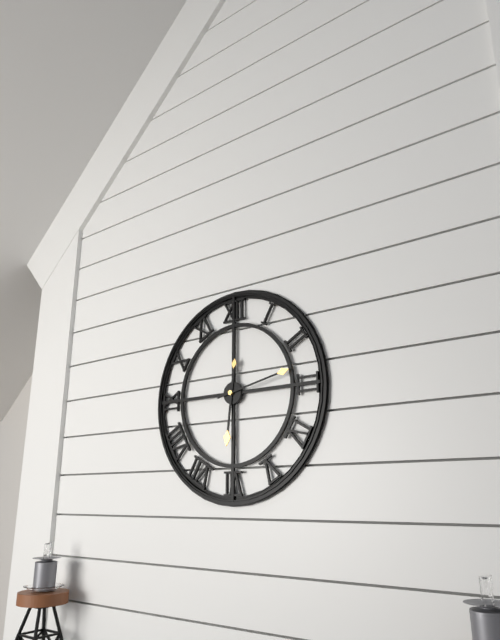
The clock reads 6,13
